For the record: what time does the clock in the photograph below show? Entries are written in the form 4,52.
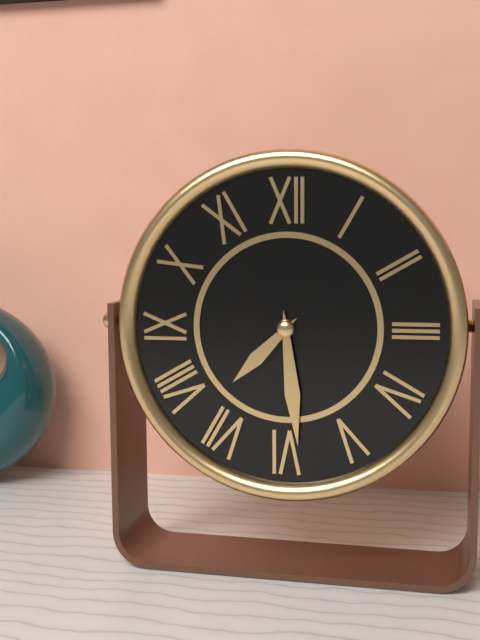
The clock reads 7,29
